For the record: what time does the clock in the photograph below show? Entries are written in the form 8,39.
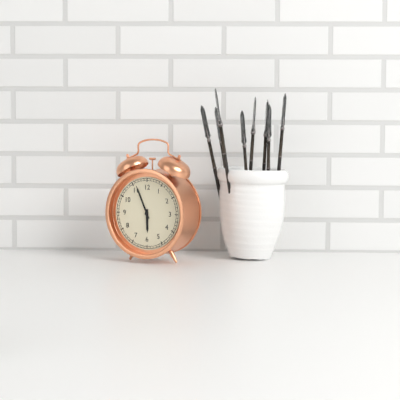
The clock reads 5,56
